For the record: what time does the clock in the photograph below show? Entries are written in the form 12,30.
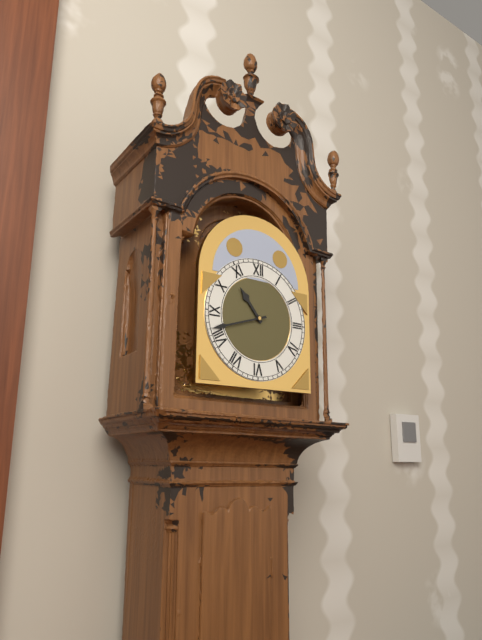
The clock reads 10,42
